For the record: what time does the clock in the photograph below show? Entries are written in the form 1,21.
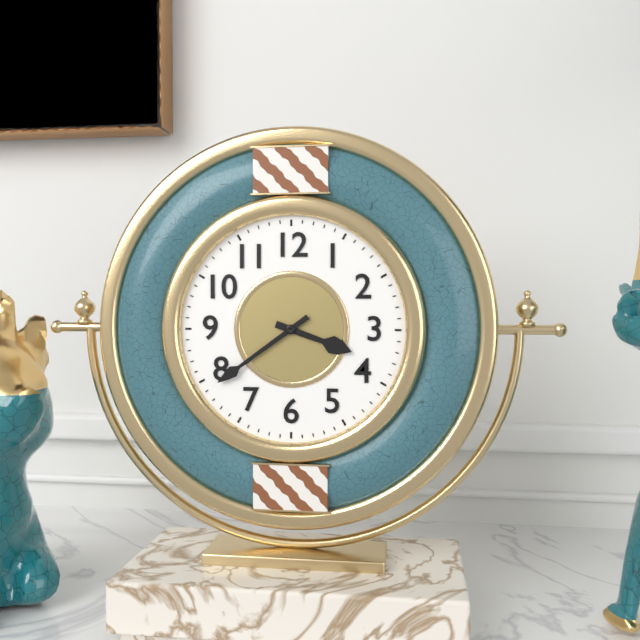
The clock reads 3,39
